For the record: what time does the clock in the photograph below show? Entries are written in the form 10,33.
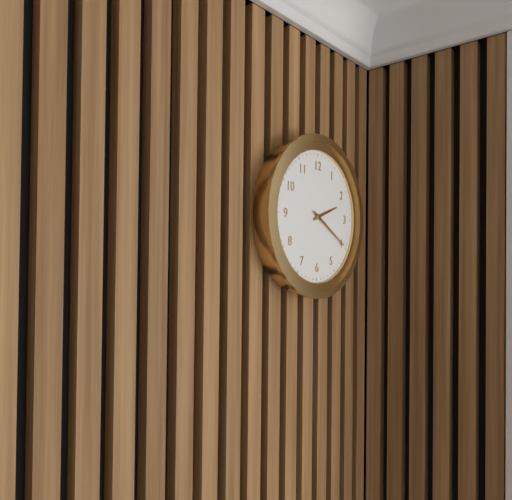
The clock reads 2,20
